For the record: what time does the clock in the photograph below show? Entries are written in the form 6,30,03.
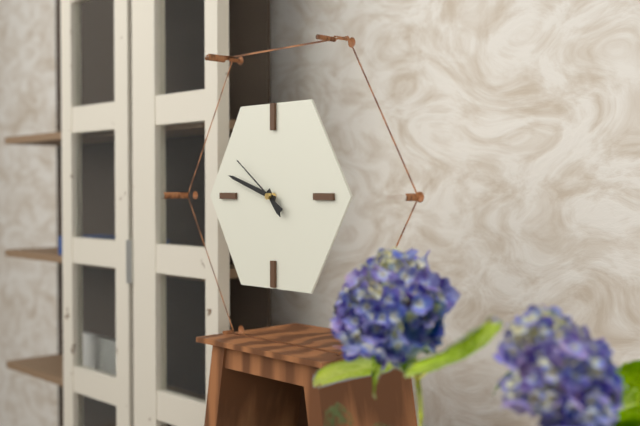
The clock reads 4,48,51
